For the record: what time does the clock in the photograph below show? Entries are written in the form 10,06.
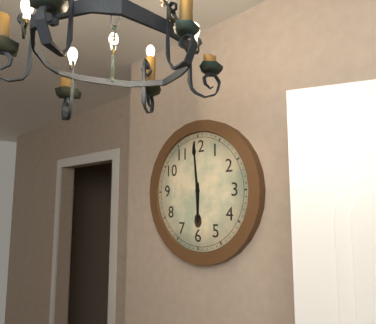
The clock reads 5,59
